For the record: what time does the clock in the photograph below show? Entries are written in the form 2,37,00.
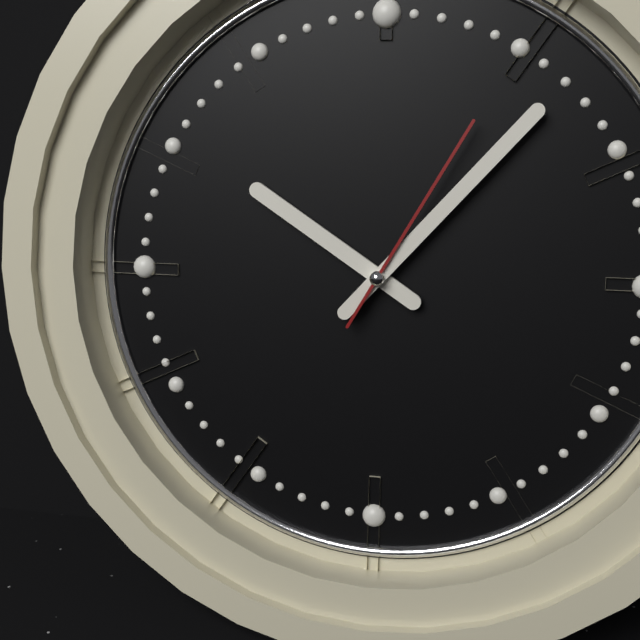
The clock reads 10,07,05
